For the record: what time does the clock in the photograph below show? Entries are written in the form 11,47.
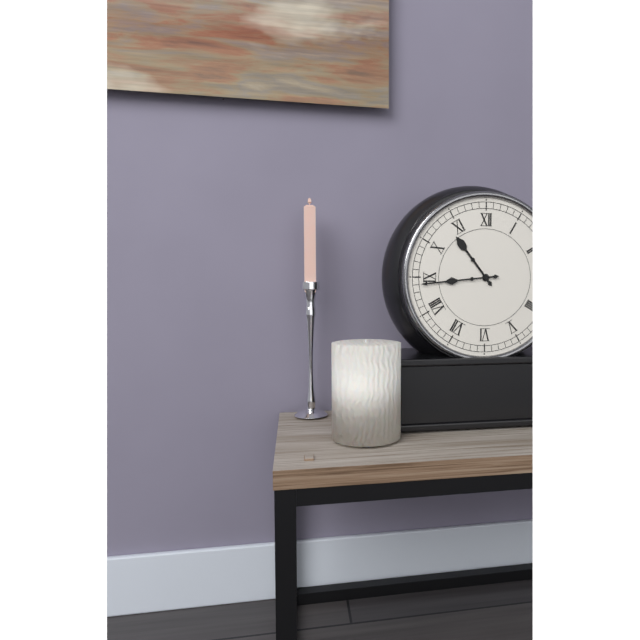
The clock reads 10,44
